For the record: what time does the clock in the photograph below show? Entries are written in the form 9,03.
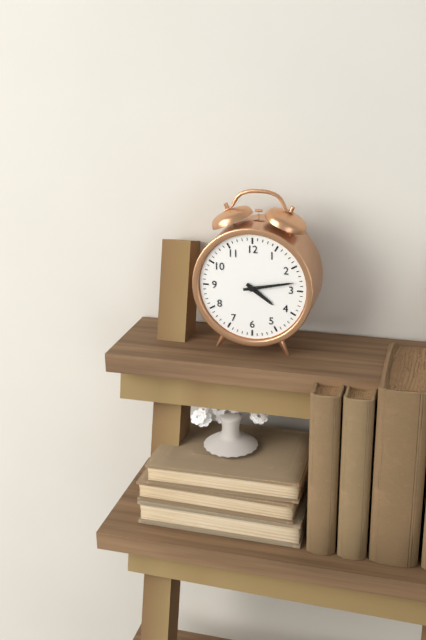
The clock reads 4,13
